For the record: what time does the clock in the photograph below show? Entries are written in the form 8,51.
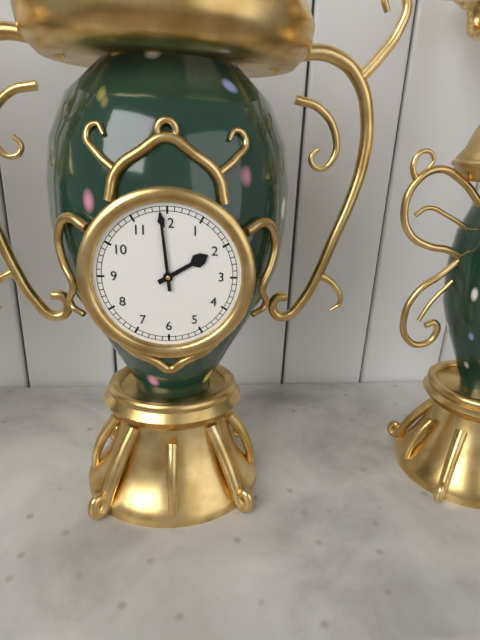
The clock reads 1,59
